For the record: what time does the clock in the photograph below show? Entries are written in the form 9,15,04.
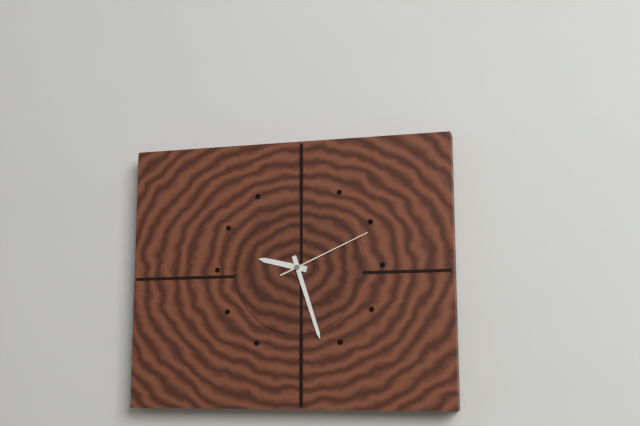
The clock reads 9,27,11
